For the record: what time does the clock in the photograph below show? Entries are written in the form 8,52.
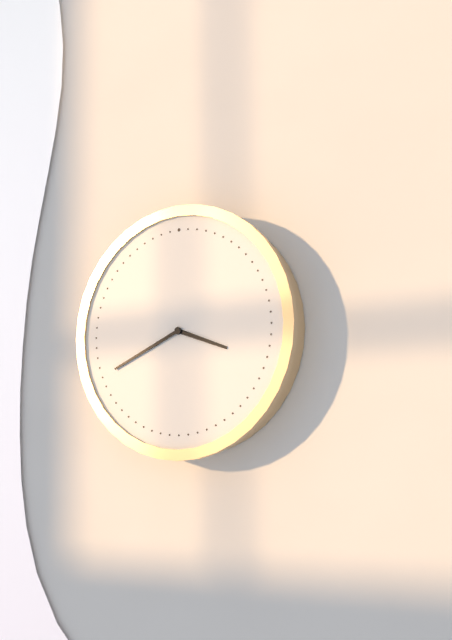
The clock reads 3,41
